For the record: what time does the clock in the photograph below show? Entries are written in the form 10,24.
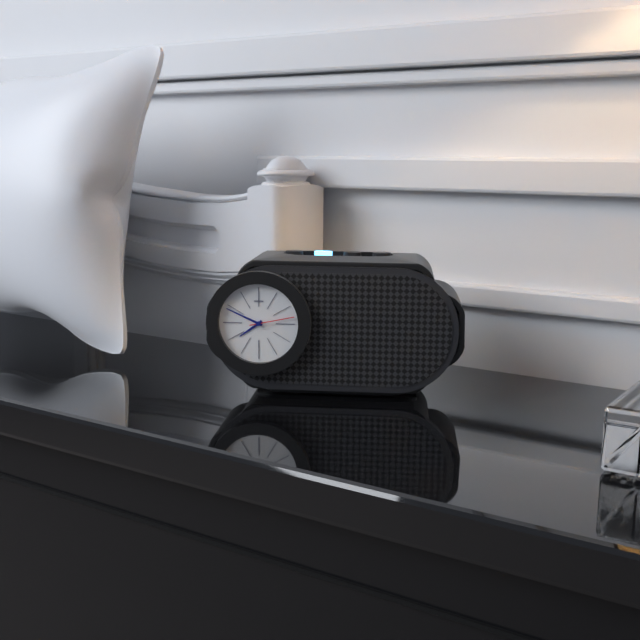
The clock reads 7,49
